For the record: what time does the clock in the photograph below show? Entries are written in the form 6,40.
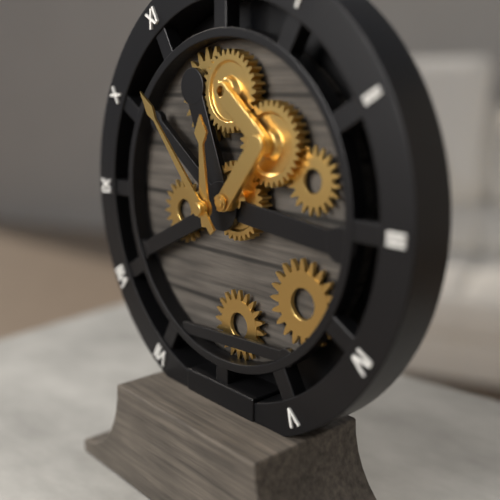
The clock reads 11,53
